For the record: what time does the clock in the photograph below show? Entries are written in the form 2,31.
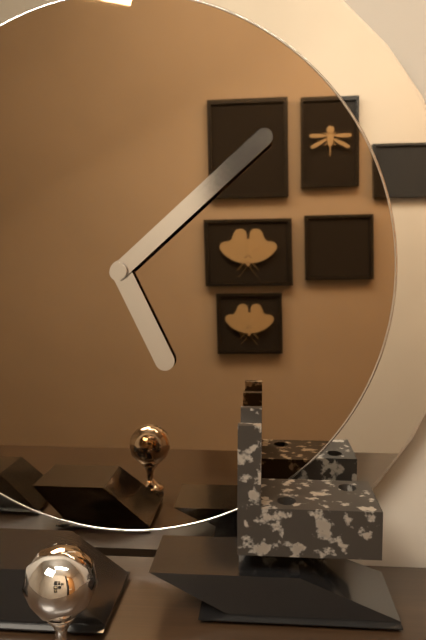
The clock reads 5,08
